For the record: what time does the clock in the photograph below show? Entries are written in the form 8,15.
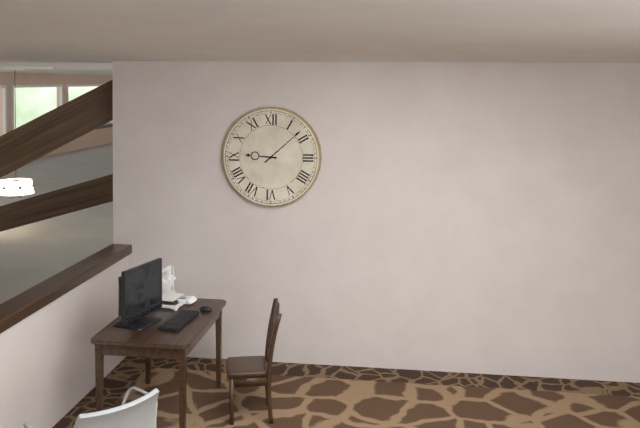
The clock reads 9,08
